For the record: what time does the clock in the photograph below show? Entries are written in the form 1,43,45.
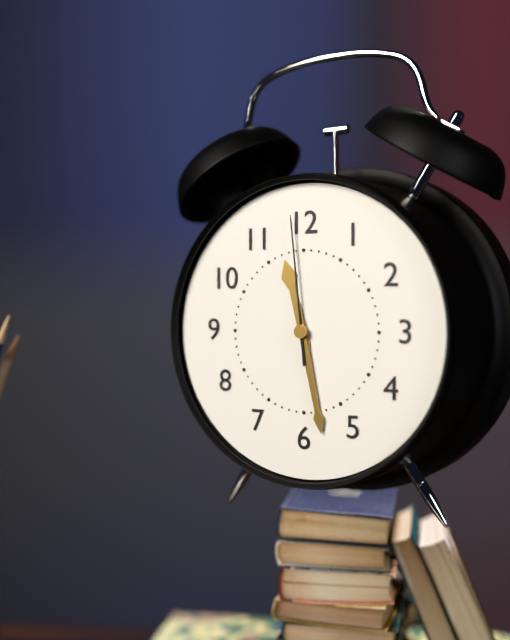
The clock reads 11,28,59
